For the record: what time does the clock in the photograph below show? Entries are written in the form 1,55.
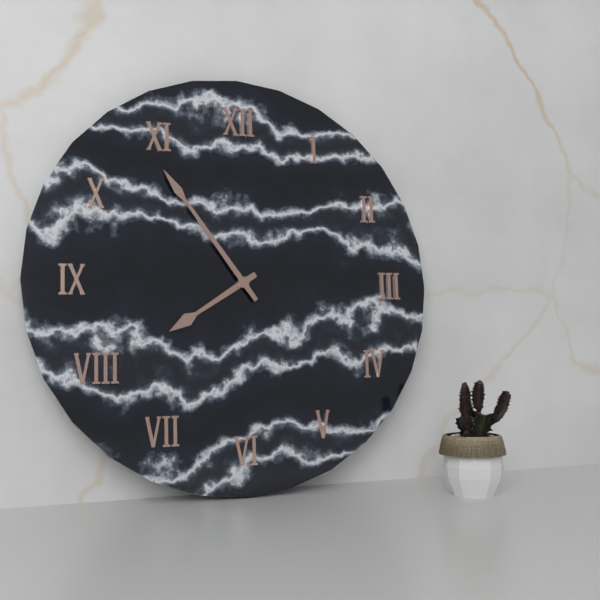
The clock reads 7,54
